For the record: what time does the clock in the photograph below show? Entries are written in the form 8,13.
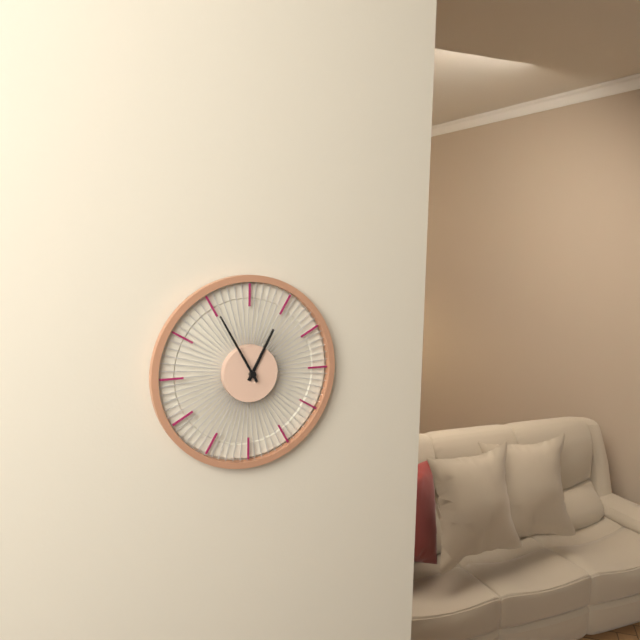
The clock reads 12,55
